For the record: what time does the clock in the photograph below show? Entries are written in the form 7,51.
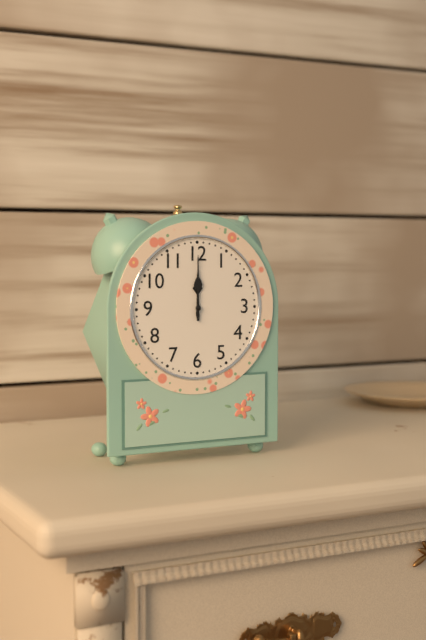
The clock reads 12,00
